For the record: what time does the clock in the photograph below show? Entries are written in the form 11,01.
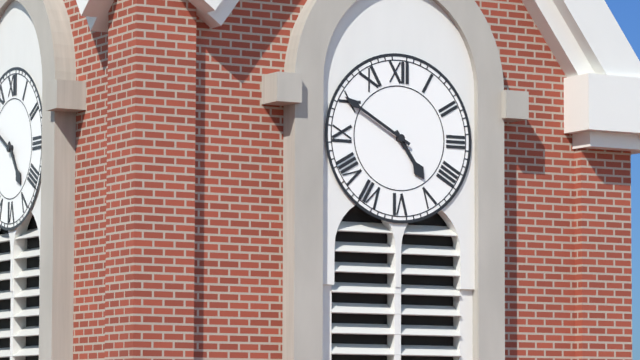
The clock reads 4,50
